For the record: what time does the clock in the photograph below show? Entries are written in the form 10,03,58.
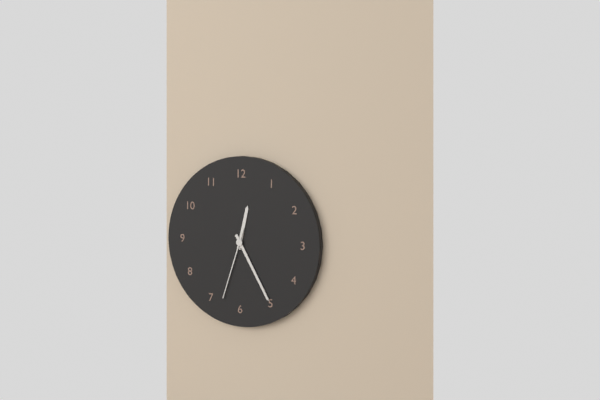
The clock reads 12,25,33
